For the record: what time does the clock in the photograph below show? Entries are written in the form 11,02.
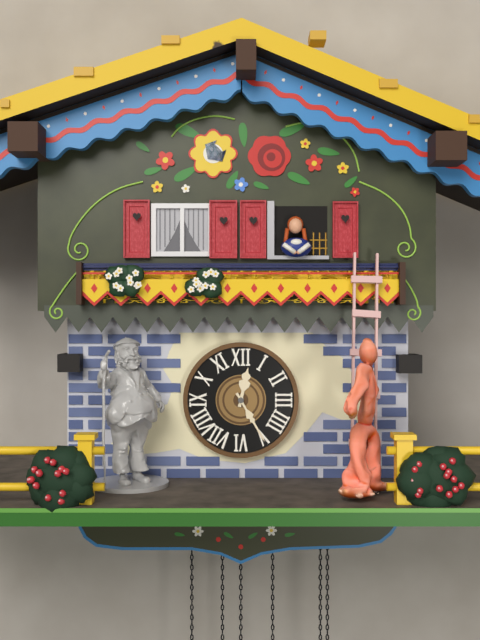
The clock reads 12,25
